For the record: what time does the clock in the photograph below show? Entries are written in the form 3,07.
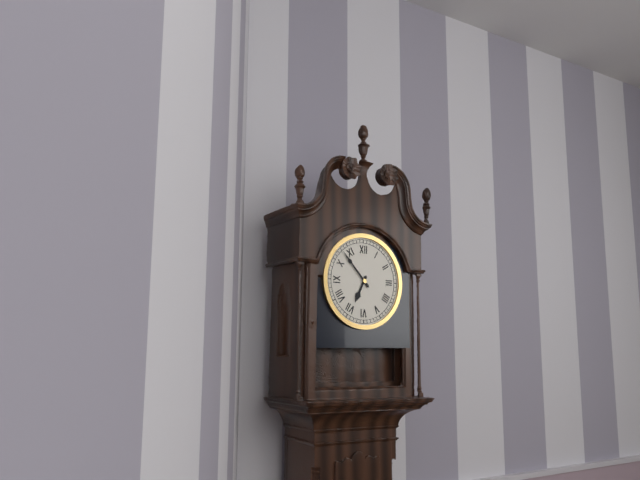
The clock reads 6,53
